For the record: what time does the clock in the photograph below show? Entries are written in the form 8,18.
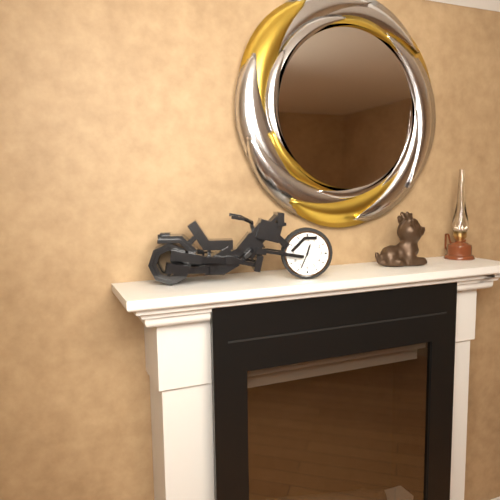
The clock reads 12,34
